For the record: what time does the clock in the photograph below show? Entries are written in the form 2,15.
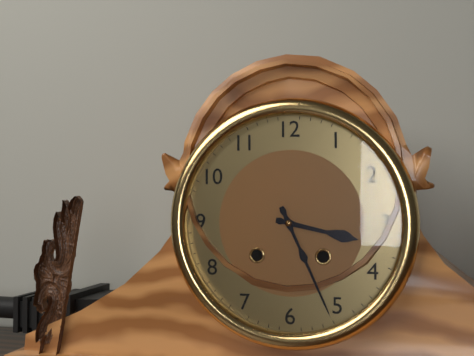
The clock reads 3,26
